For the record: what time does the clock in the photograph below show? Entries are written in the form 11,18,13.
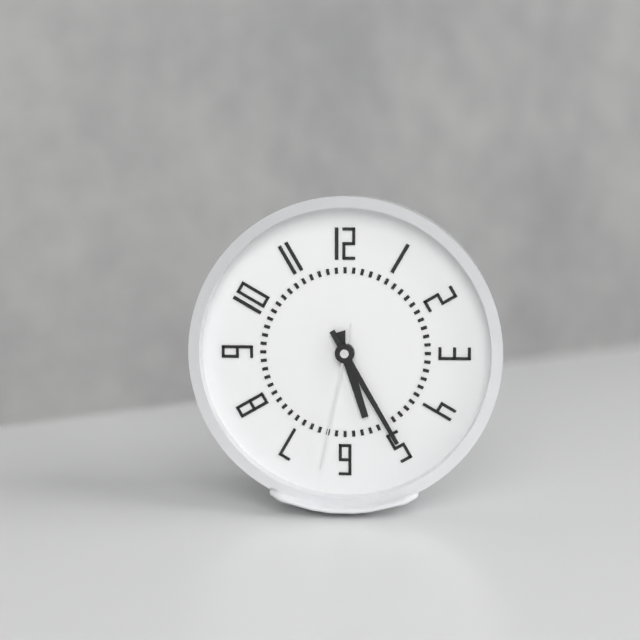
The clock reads 5,25,32
